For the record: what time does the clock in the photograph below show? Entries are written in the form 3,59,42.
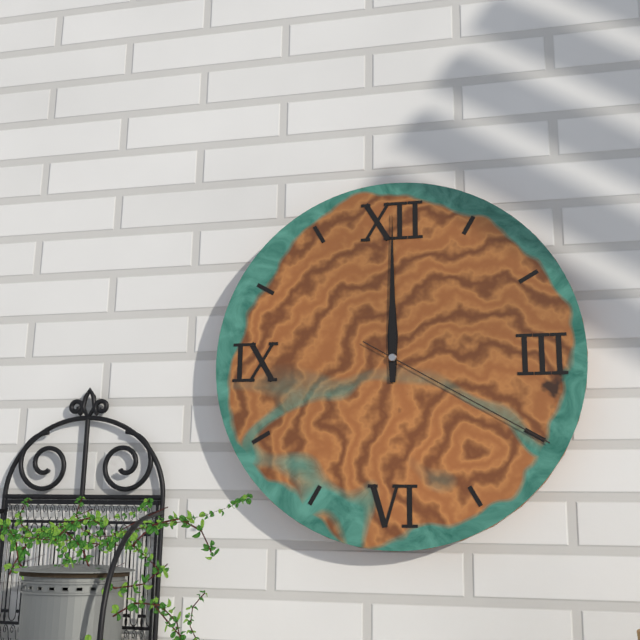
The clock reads 12,00,20
